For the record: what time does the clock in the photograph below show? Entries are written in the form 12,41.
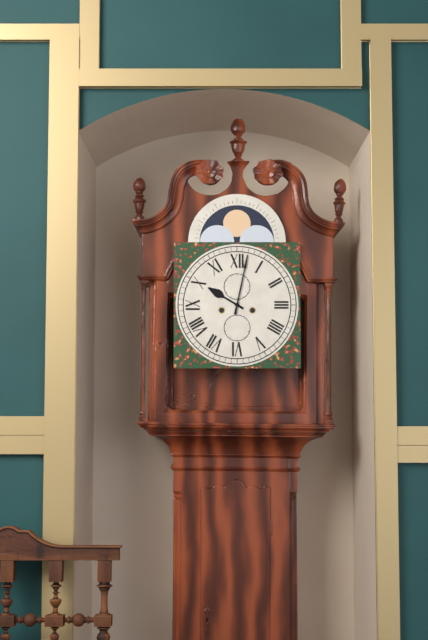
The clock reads 10,02
